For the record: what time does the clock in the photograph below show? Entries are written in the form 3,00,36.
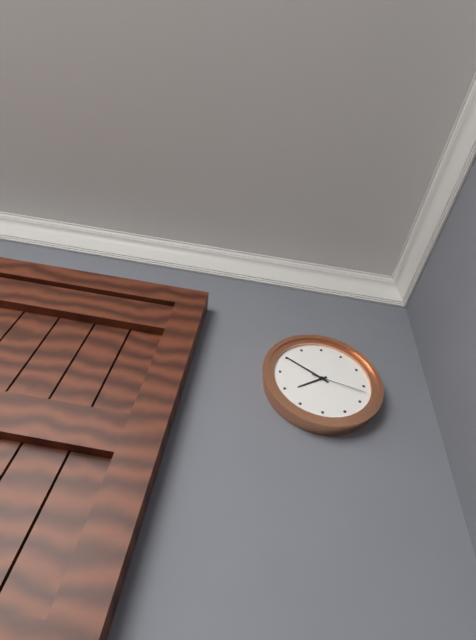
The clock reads 7,50,17
